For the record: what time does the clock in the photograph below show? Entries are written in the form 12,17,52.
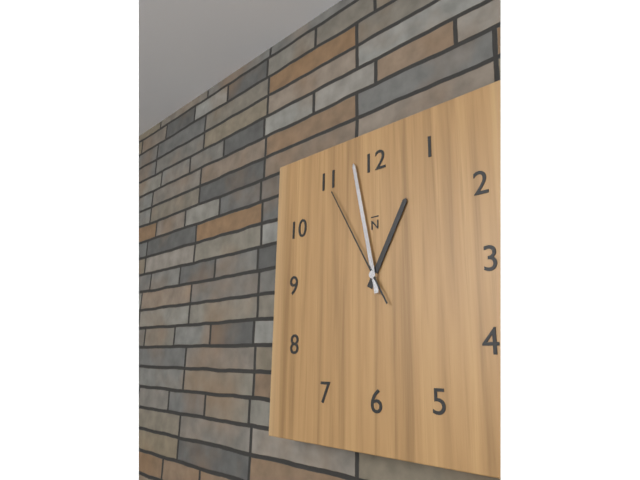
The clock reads 12,58,55
